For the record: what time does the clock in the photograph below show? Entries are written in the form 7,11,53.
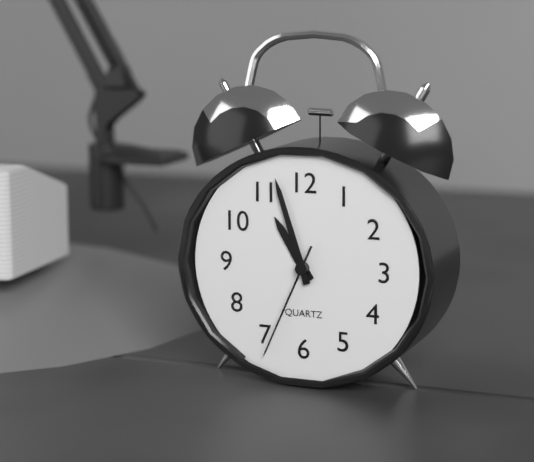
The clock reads 10,57,34
